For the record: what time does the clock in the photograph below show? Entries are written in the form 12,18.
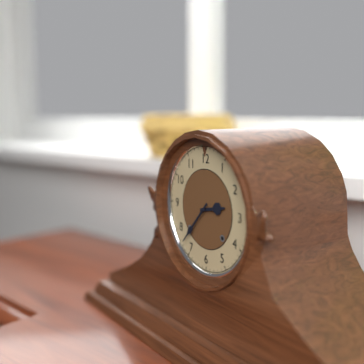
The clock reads 2,37
